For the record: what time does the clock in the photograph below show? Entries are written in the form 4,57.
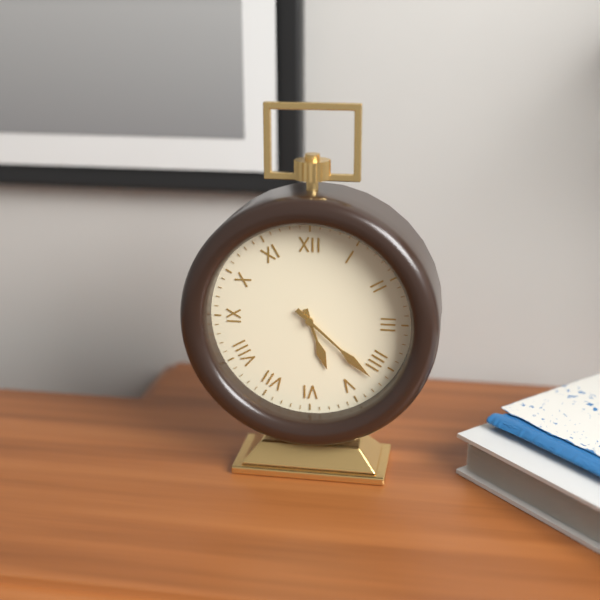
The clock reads 5,22
